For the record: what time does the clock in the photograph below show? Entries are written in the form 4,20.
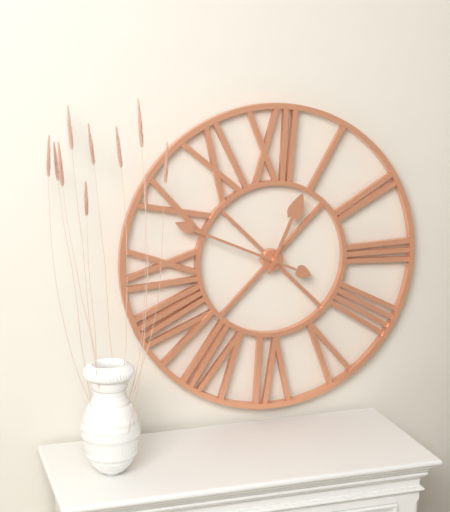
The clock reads 12,49
